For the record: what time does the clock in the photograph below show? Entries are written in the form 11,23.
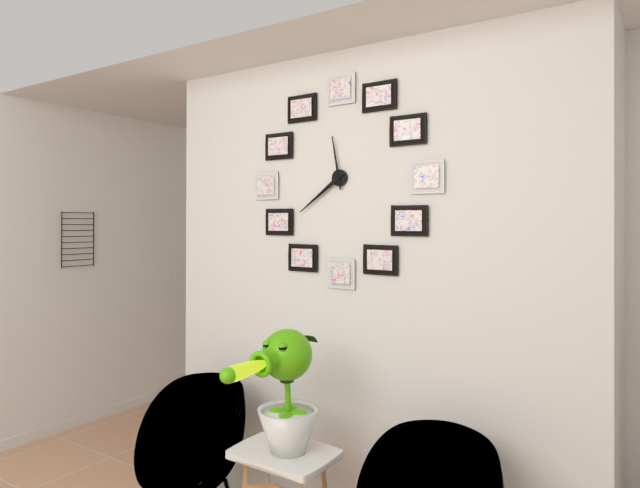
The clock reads 11,39
